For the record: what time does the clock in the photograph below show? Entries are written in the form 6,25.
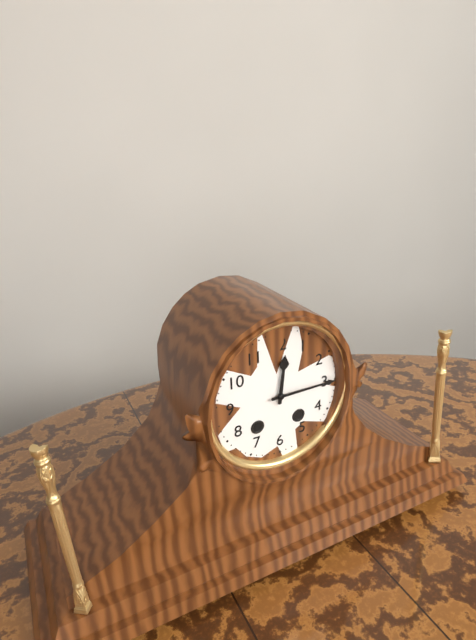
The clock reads 12,15
